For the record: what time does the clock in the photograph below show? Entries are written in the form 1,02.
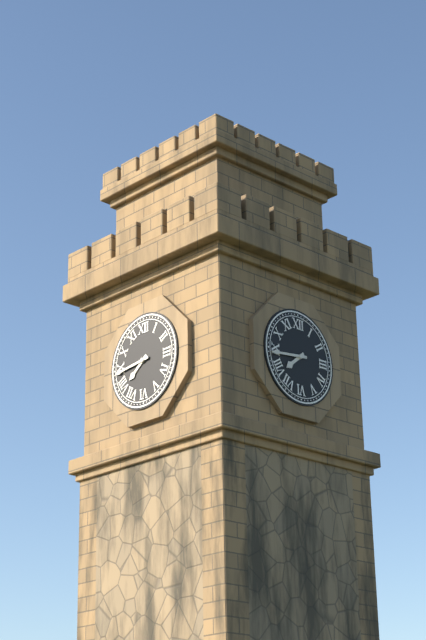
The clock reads 7,44
